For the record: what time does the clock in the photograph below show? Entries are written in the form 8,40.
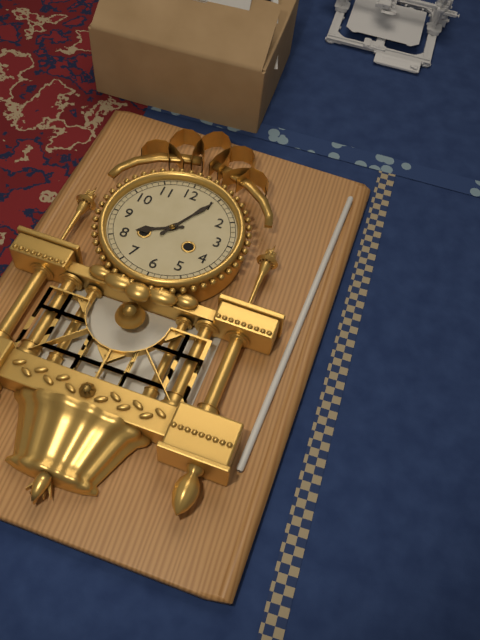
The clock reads 8,05
